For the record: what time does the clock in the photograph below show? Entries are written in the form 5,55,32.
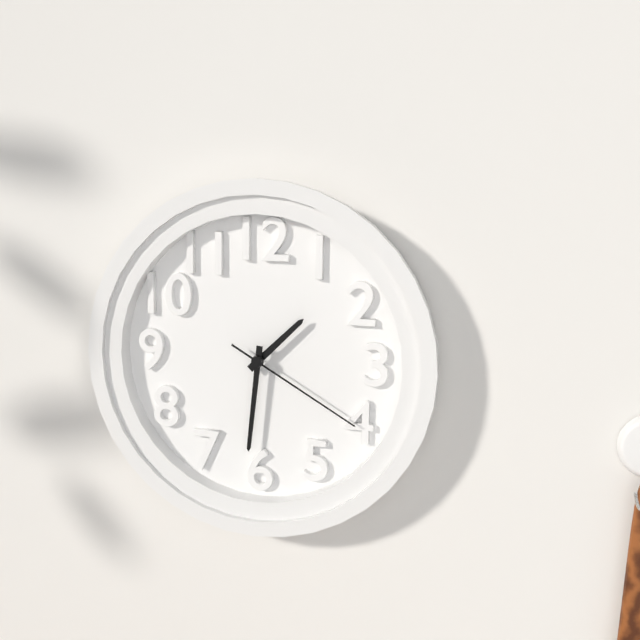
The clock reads 1,31,20
